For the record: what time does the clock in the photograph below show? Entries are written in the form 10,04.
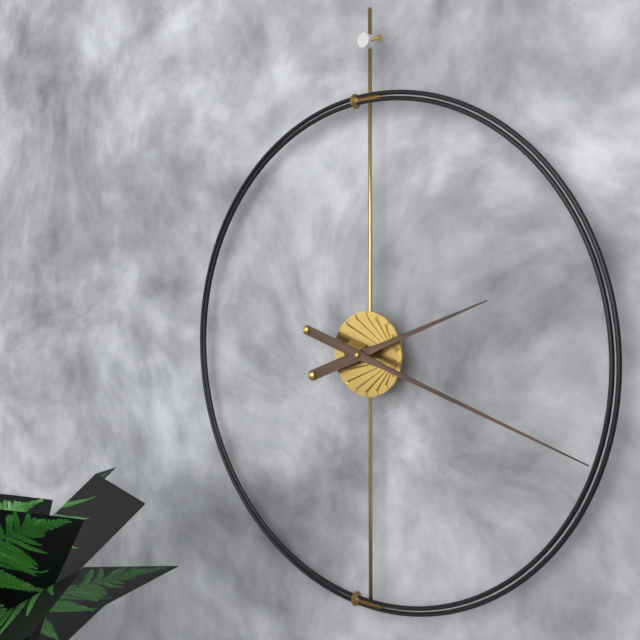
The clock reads 2,18
